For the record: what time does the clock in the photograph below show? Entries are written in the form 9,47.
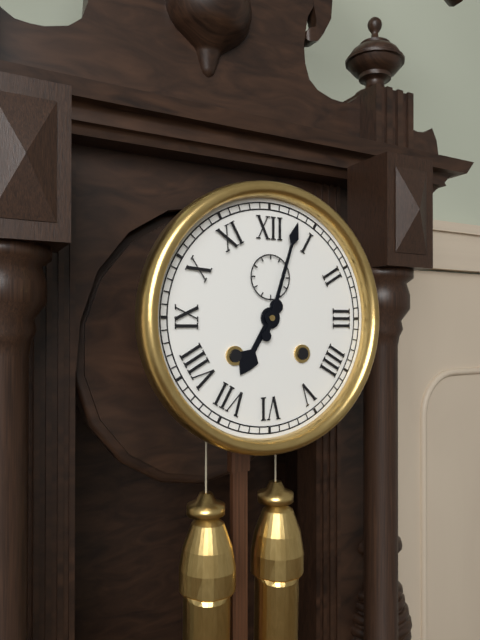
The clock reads 7,03
